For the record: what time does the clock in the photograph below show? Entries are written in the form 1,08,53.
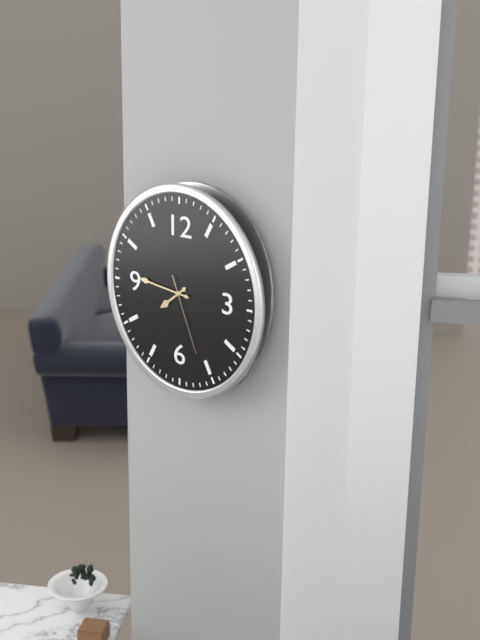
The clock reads 7,46,26
